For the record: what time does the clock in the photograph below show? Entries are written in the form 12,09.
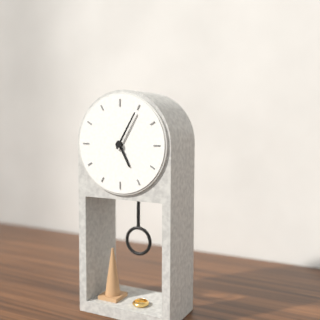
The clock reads 5,05
